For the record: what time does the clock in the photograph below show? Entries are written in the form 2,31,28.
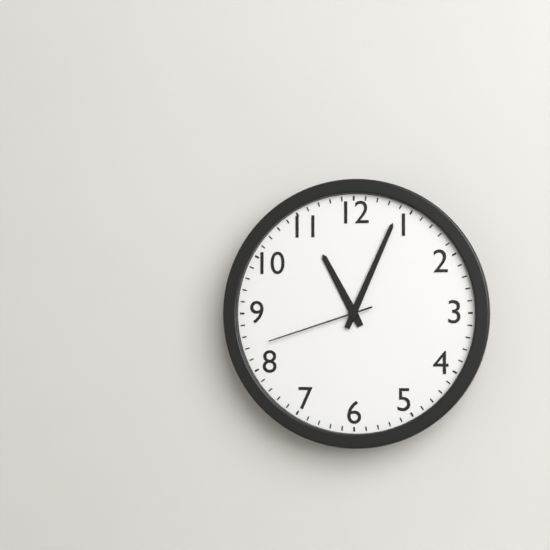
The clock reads 11,04,42
